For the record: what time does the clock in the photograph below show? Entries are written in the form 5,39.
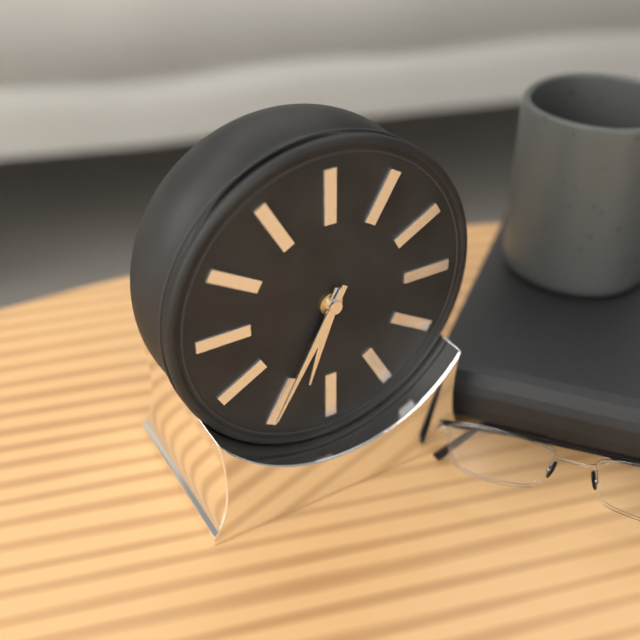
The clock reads 6,35
